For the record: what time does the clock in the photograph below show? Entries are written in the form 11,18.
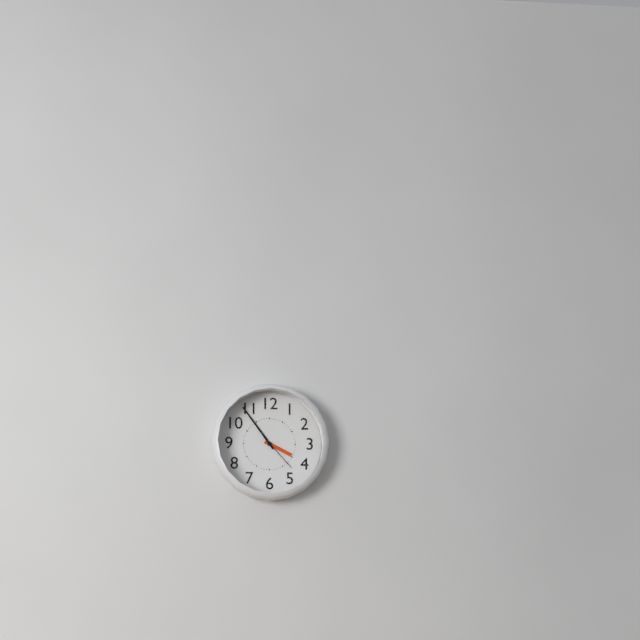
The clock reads 3,54
